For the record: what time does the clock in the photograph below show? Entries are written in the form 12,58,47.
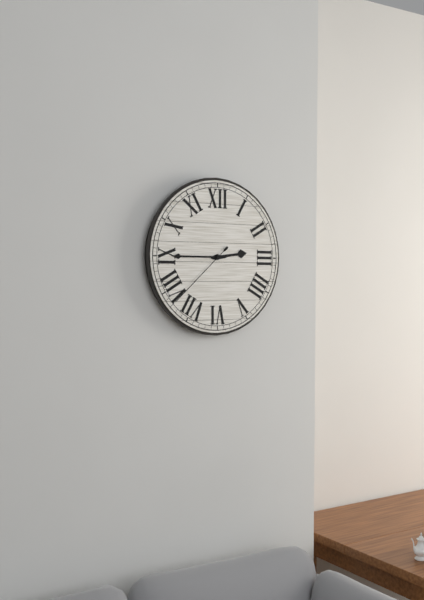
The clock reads 2,45,38
